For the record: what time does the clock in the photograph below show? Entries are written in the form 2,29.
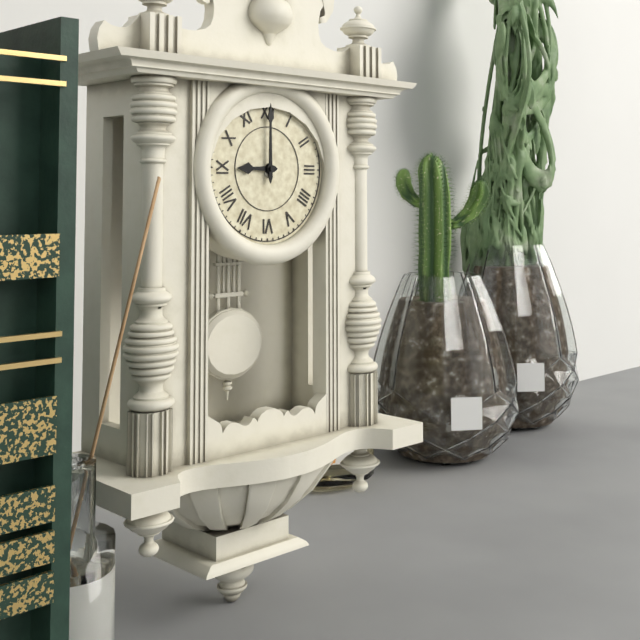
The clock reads 9,00
